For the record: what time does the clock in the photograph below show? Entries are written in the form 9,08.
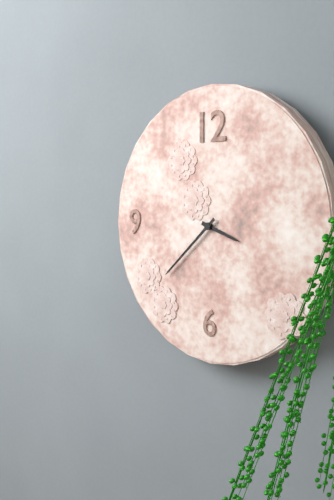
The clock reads 3,38
